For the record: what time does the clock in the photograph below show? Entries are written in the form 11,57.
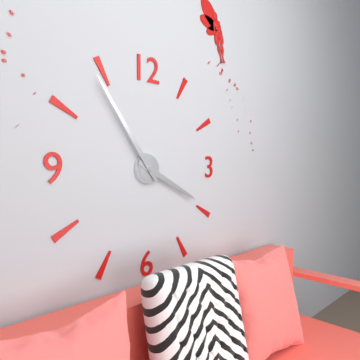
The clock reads 3,54
